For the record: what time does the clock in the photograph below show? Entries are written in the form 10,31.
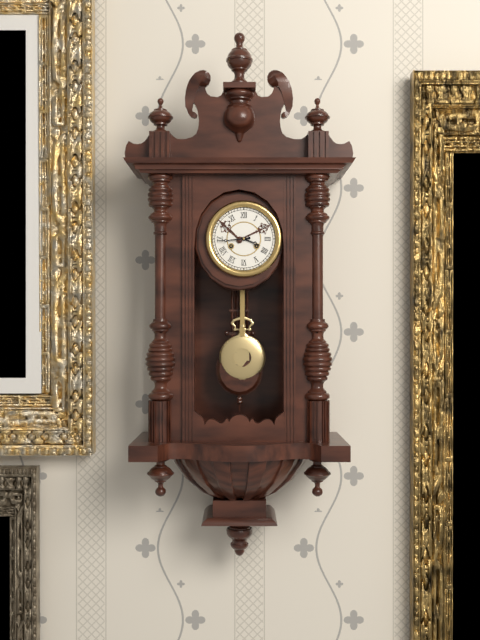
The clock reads 3,44
